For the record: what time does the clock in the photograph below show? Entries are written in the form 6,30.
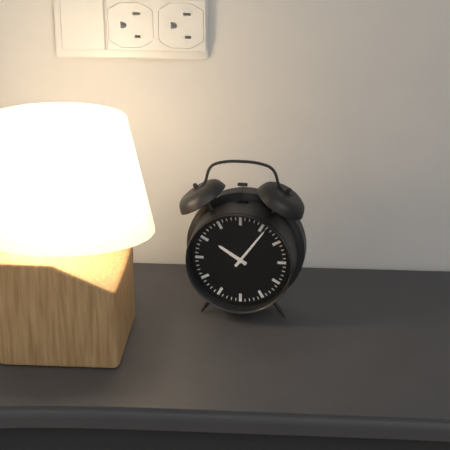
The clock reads 10,06
